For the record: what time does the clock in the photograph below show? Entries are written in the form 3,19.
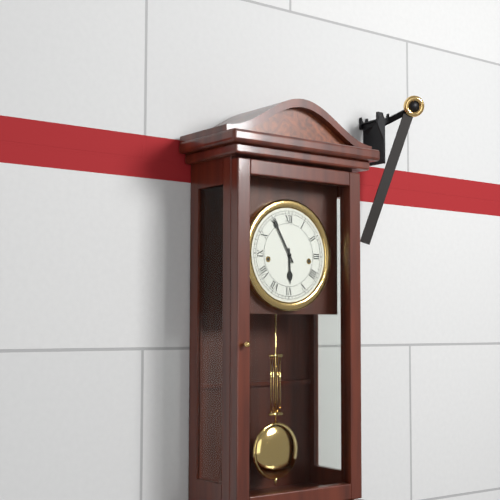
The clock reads 5,55
